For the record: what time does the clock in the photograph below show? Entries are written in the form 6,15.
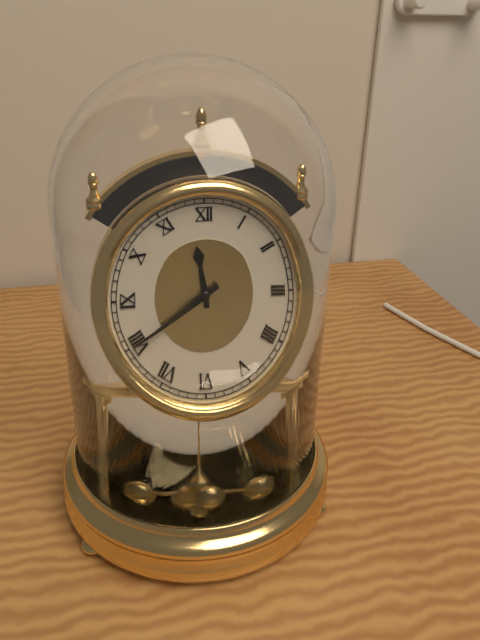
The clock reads 11,40
